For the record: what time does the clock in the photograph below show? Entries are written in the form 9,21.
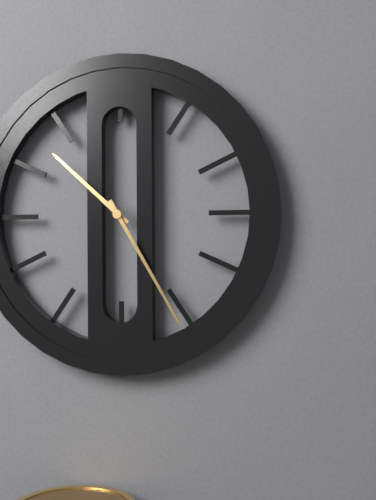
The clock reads 10,25
